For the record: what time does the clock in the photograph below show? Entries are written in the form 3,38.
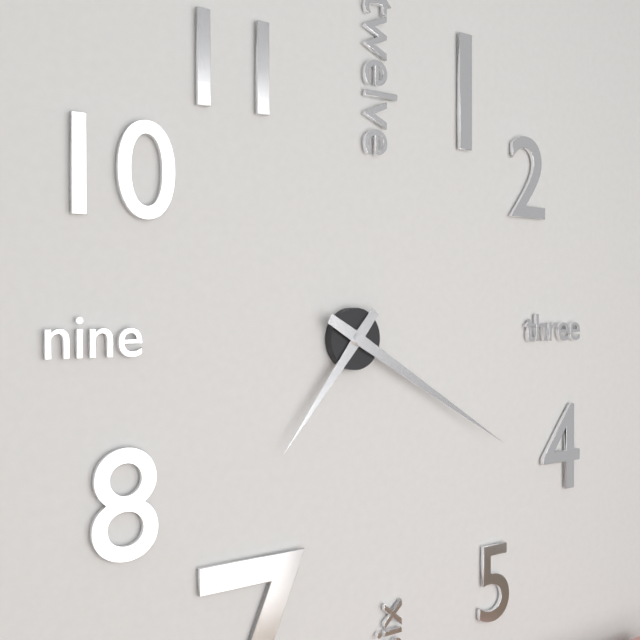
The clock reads 7,20
